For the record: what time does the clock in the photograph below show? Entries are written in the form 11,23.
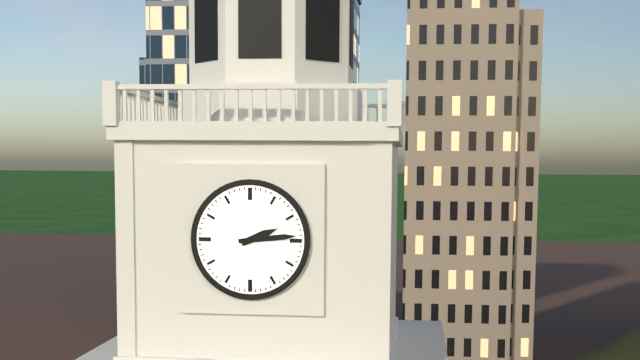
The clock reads 2,14
